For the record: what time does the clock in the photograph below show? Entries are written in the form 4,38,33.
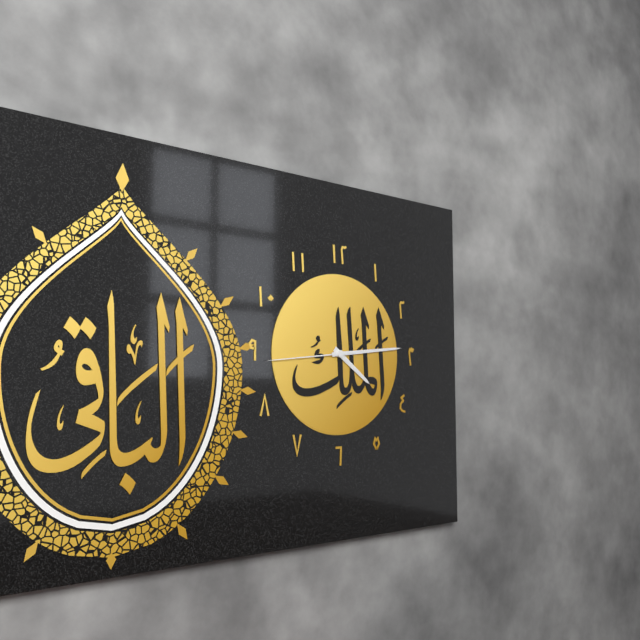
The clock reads 4,14,44
